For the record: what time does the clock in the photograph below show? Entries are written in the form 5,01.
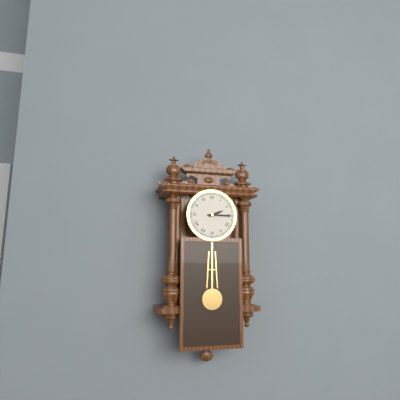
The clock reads 2,15
